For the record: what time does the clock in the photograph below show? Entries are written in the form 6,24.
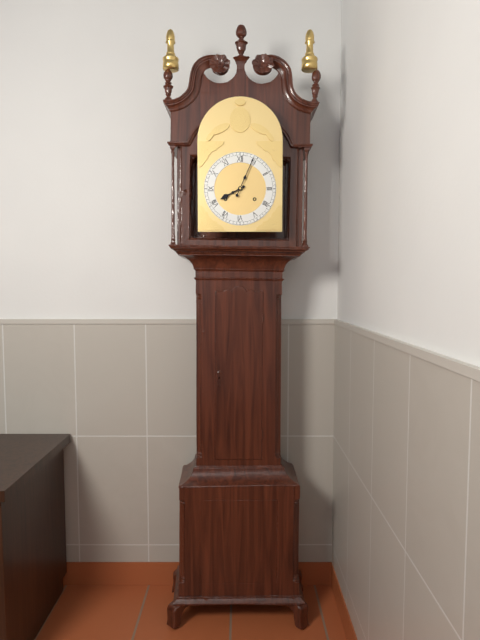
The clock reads 8,04
